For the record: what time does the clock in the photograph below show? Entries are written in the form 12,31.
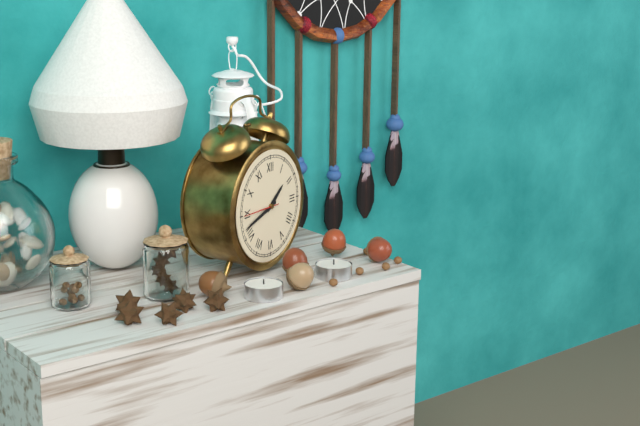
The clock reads 1,42
